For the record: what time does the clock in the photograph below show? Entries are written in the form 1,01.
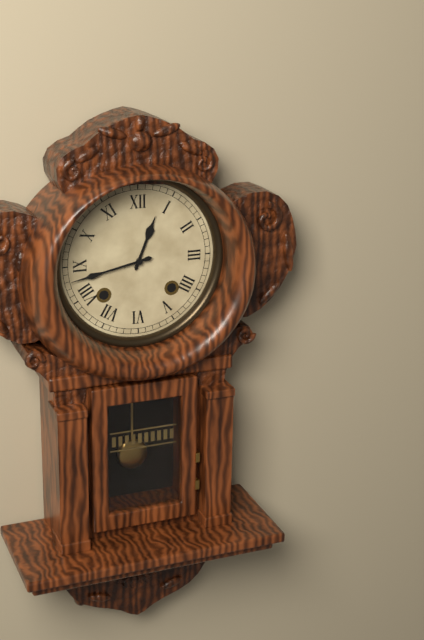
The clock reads 12,43
